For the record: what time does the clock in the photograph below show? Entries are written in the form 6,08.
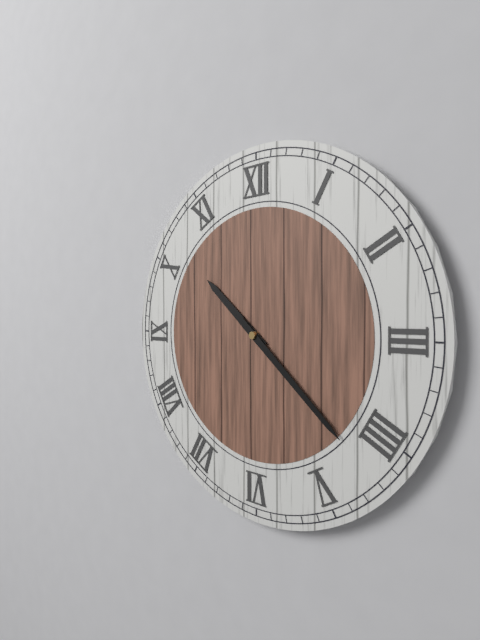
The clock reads 10,22
